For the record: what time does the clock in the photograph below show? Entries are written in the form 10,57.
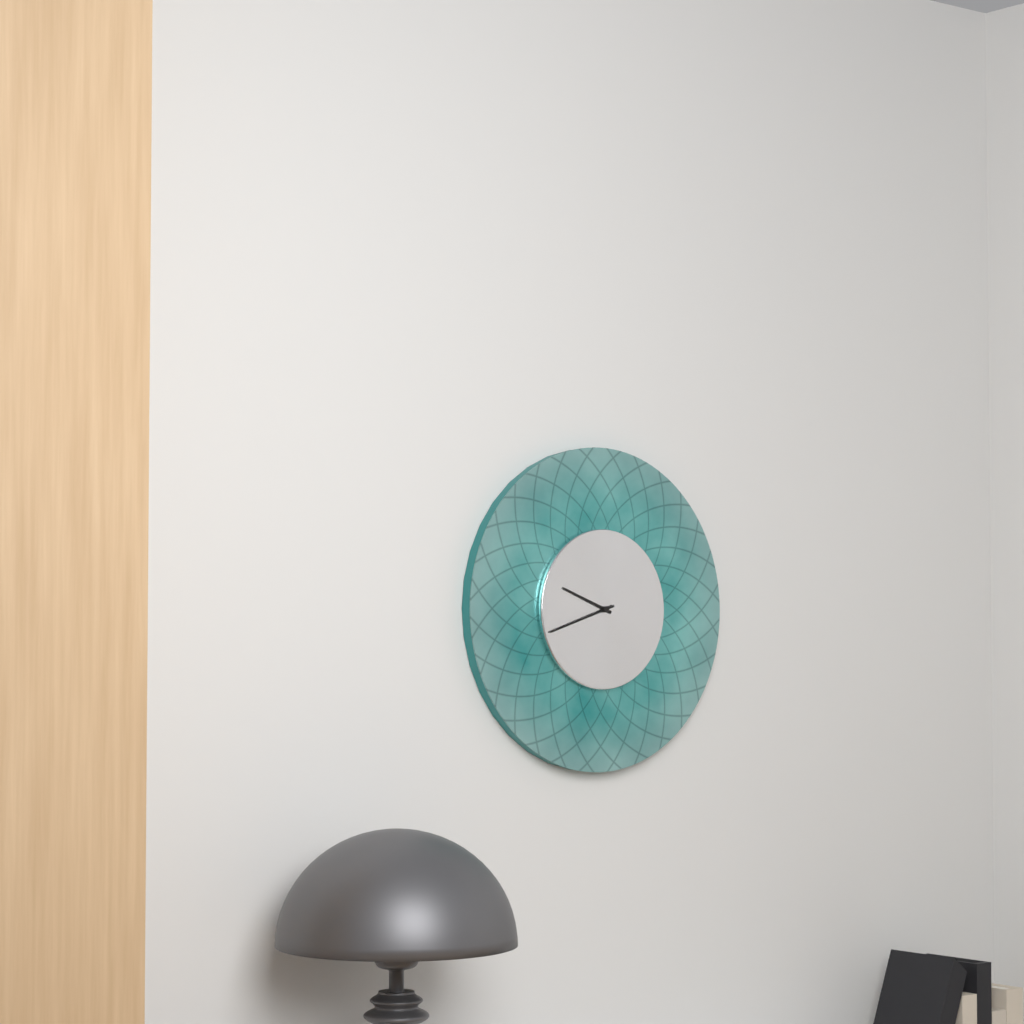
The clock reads 9,42
